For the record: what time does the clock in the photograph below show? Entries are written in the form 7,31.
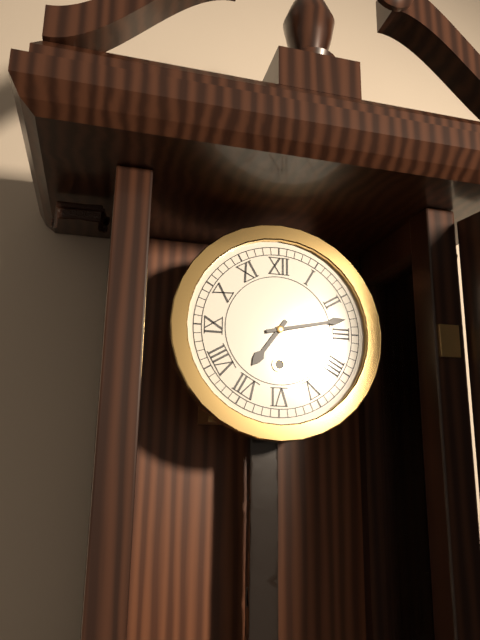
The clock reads 7,13
